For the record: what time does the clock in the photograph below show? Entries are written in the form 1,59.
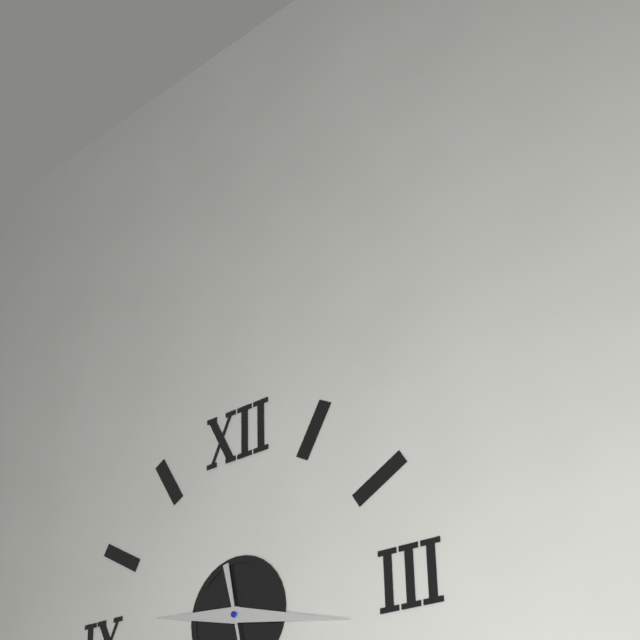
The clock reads 9,17
